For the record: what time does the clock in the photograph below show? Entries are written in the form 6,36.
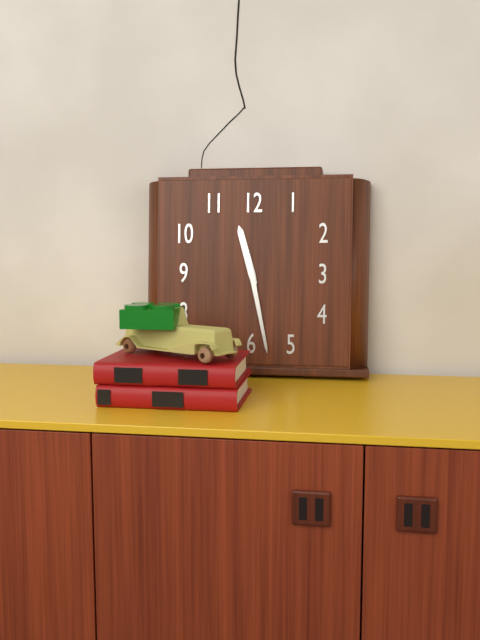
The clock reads 11,28
